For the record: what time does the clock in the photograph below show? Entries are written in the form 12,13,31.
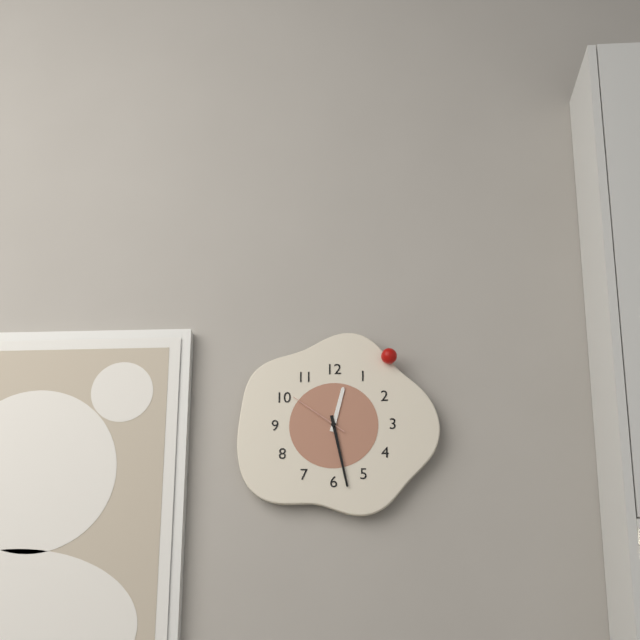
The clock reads 12,28,51
